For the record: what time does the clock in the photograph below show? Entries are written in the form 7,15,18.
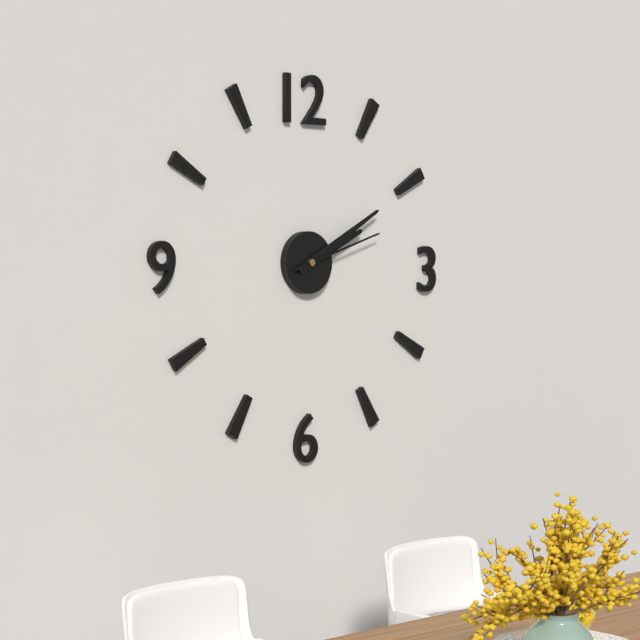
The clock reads 2,10,12
